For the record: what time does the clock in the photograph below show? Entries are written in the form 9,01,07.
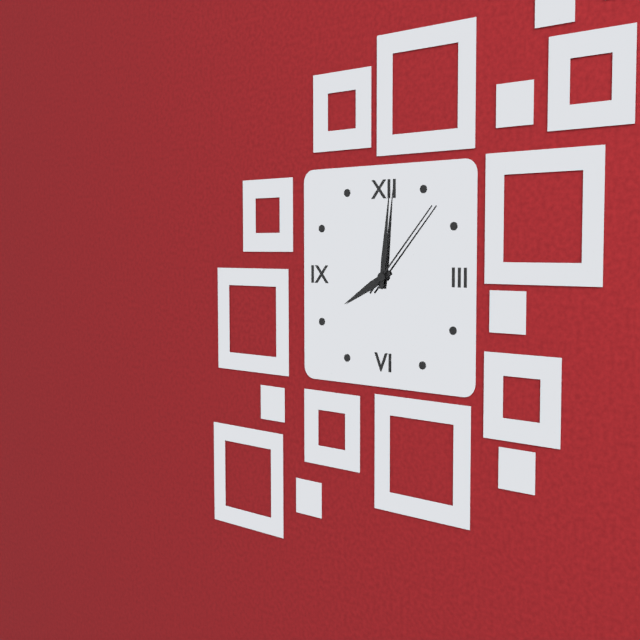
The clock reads 8,01,07
